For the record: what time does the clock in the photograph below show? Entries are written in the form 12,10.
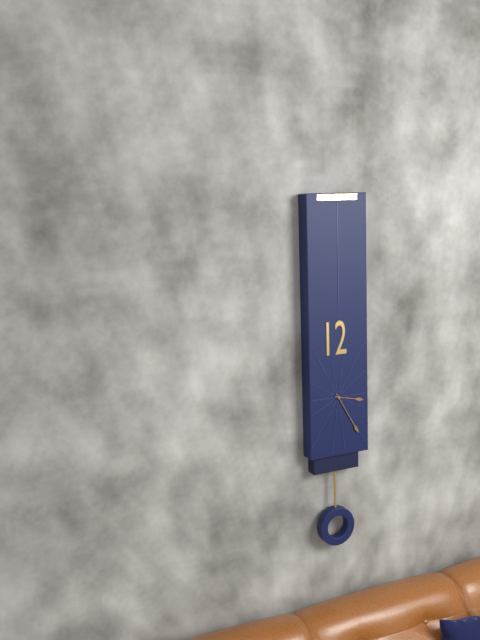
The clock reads 3,25
